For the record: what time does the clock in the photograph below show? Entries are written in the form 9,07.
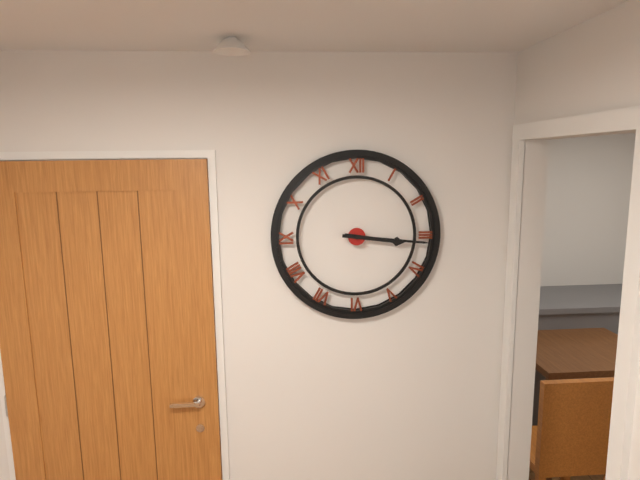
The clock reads 3,16
